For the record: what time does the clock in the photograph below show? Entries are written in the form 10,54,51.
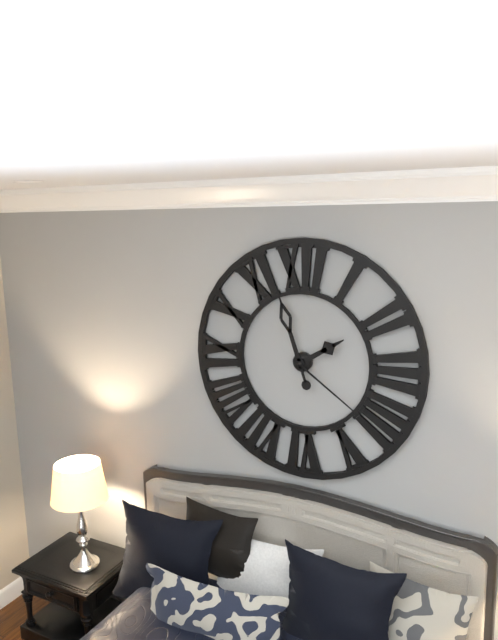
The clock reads 1,57,21
